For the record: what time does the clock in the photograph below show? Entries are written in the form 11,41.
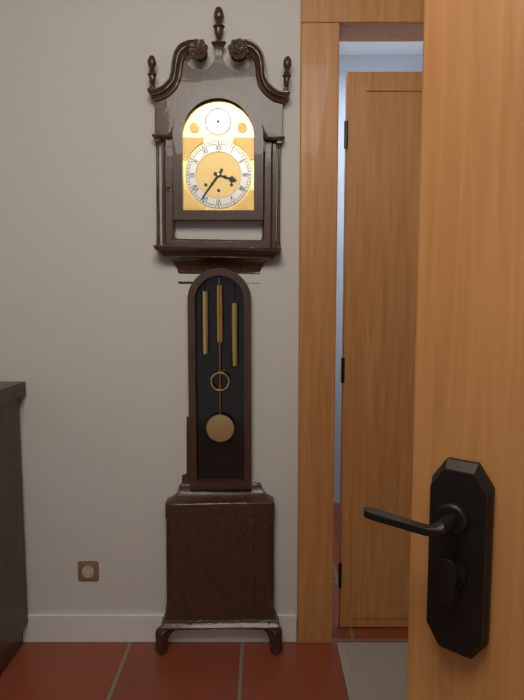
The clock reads 3,36
